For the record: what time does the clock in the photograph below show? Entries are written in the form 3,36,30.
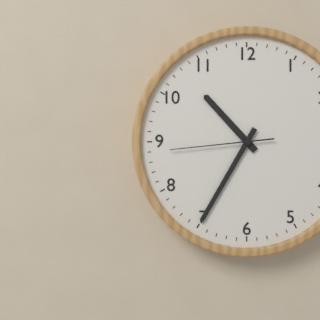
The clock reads 10,35,44
